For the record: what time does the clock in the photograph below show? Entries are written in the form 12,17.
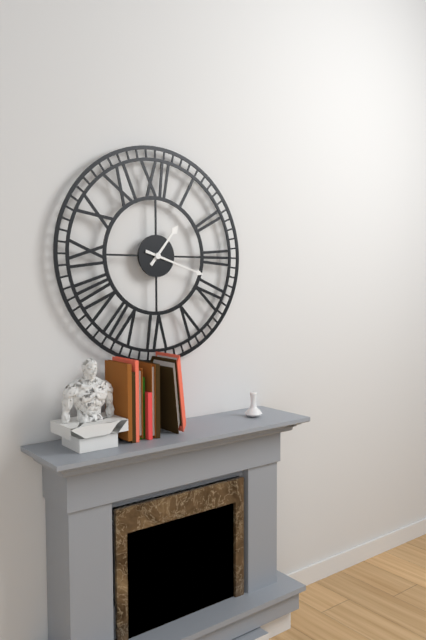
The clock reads 1,18
